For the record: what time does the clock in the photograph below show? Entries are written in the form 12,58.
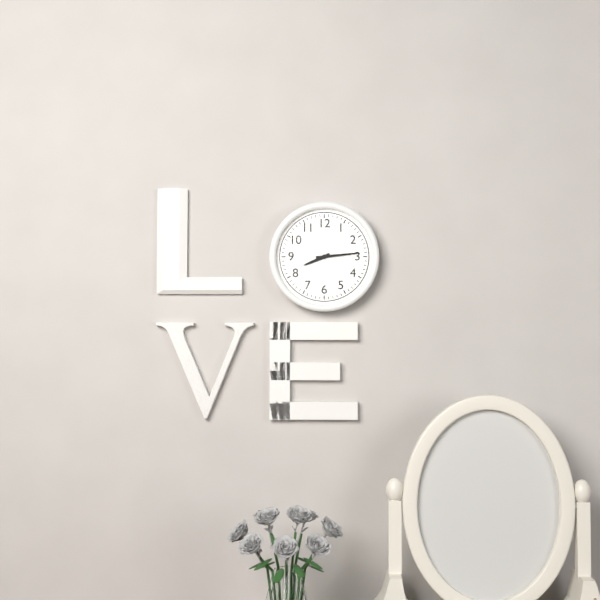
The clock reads 8,14
